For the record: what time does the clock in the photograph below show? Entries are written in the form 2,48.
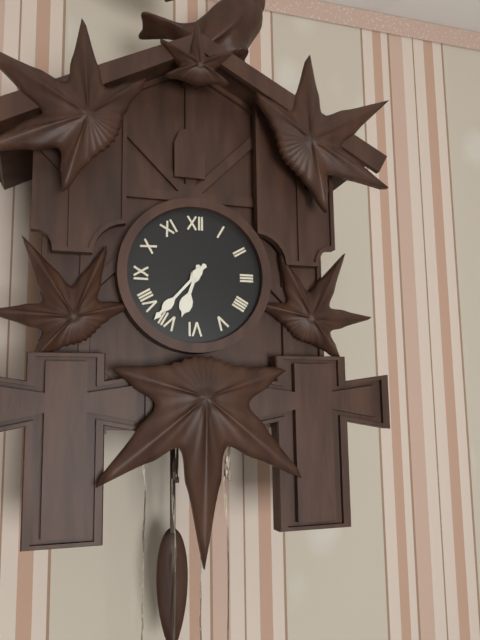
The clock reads 6,37
